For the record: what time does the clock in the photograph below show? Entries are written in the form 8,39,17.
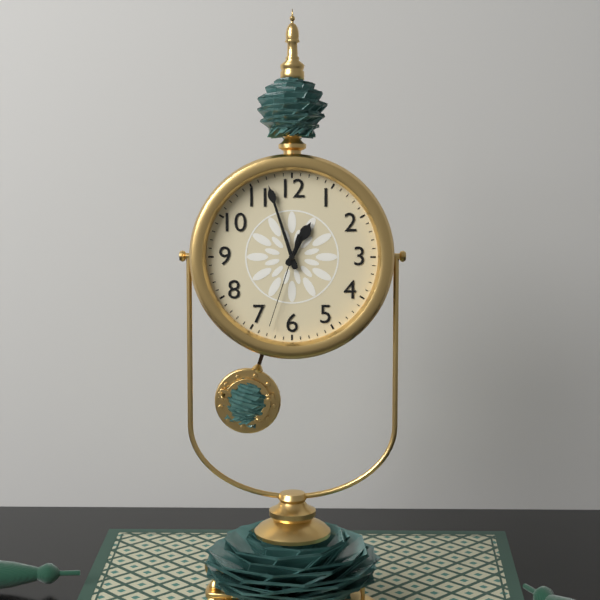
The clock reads 12,57,33
